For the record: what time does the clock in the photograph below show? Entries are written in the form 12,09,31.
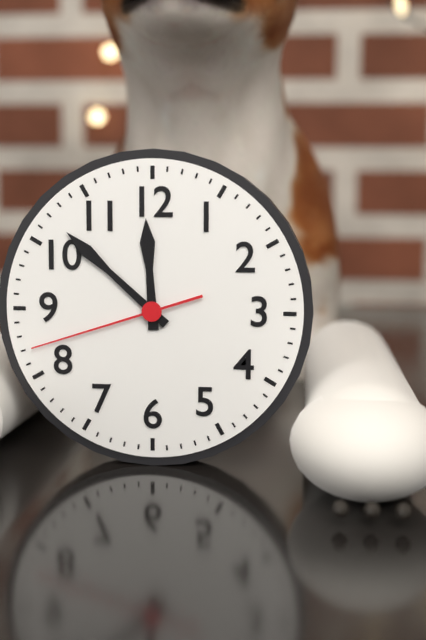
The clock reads 11,52,42
